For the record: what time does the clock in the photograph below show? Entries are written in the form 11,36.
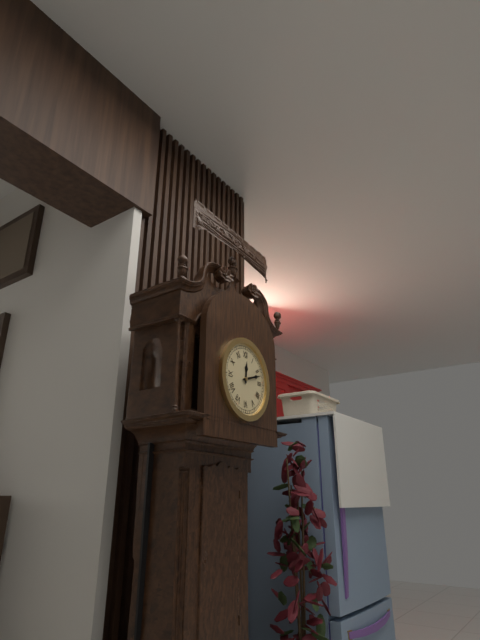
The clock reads 12,12
